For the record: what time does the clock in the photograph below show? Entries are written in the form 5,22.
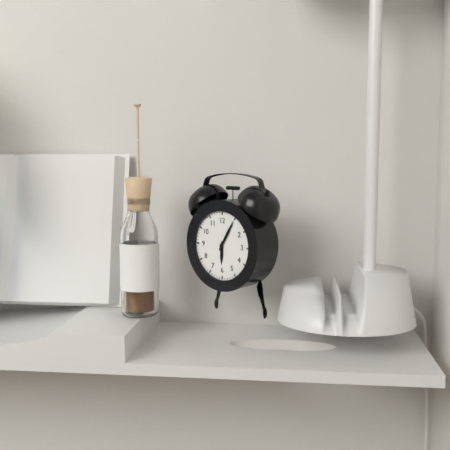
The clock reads 6,05
